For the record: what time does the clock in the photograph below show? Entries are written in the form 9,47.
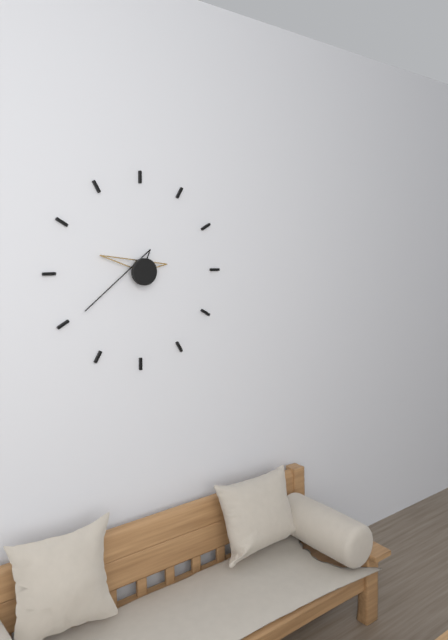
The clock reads 9,40
